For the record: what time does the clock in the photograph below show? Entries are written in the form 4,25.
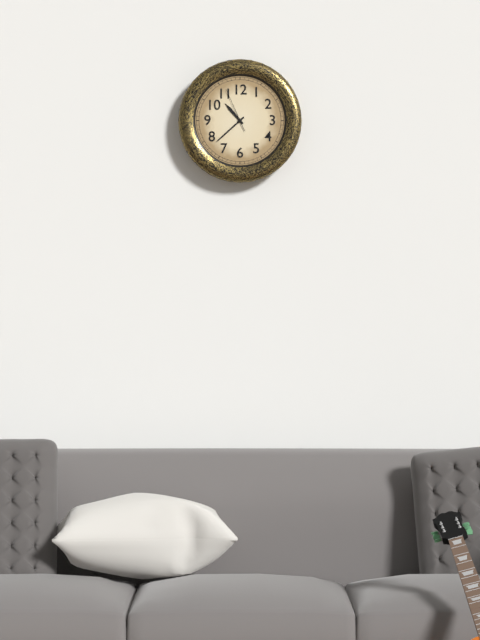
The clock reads 10,38
